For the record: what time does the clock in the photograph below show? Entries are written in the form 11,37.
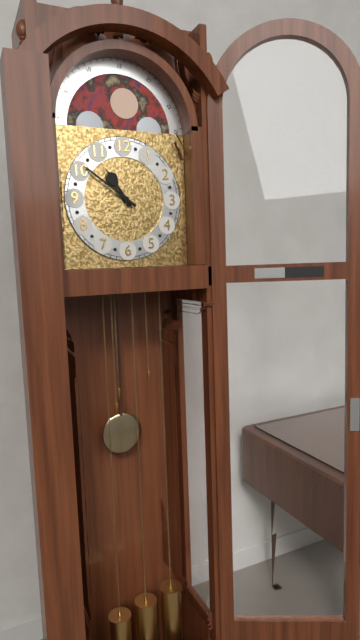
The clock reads 10,51
